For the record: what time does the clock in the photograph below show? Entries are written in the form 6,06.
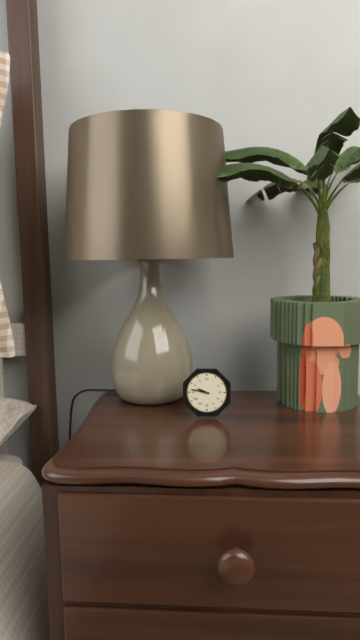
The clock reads 9,47
